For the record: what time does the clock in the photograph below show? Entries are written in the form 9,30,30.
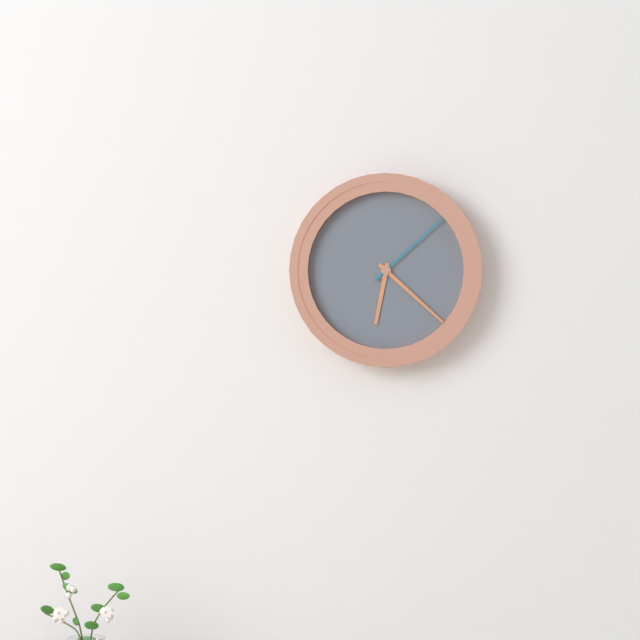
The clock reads 6,22,08
